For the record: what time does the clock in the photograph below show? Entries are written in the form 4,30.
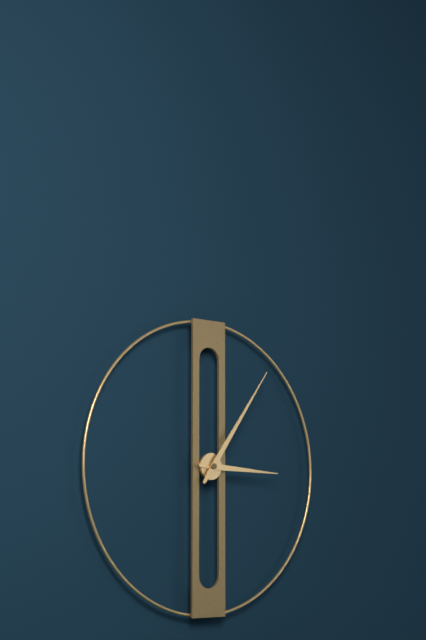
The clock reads 3,06
